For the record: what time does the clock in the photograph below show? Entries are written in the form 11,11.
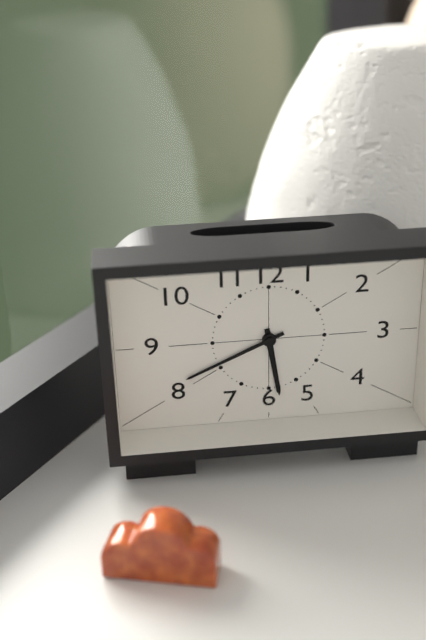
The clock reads 5,41
